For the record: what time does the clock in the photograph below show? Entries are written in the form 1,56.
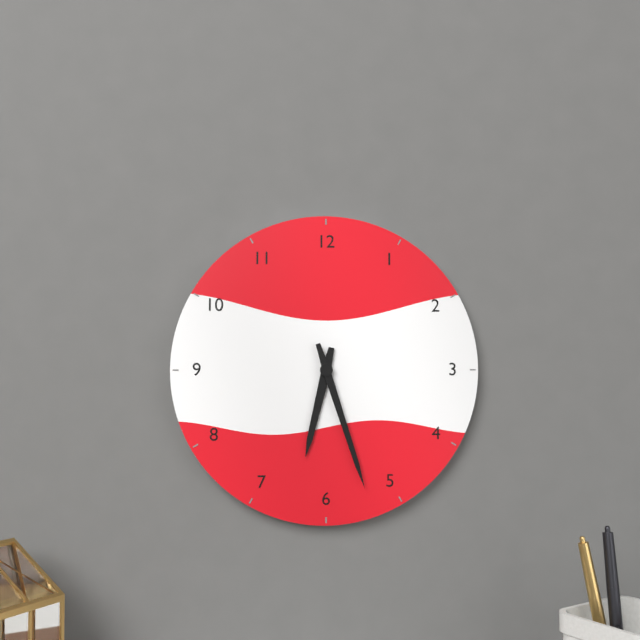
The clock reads 6,27
